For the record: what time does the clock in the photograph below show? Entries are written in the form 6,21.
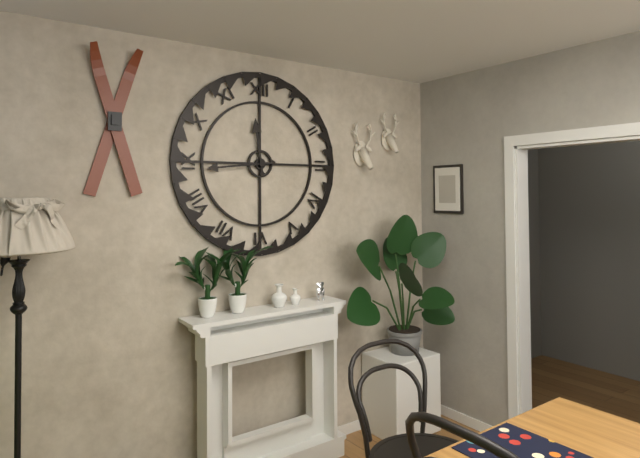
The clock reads 11,44
